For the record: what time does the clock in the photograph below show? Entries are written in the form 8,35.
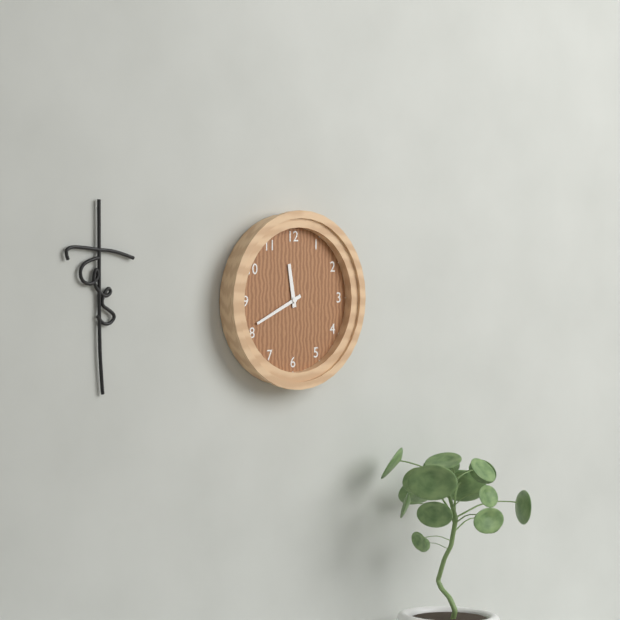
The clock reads 11,41
